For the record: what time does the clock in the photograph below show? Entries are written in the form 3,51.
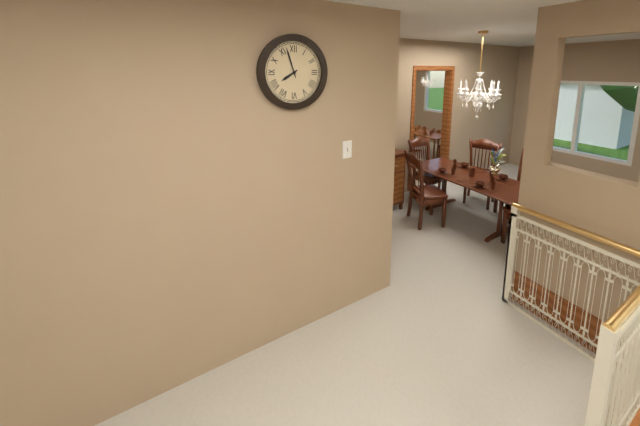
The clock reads 7,57
